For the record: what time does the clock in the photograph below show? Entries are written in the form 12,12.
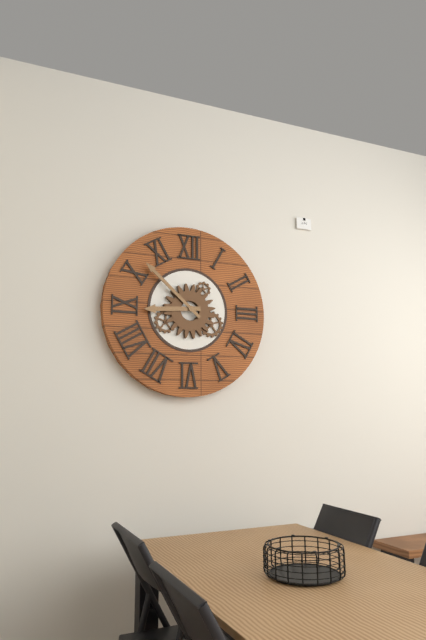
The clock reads 8,52
